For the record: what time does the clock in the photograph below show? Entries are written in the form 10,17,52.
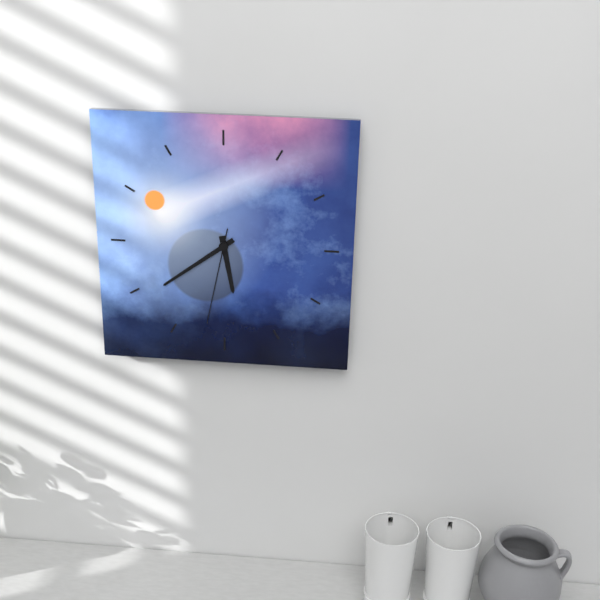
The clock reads 5,39,32
